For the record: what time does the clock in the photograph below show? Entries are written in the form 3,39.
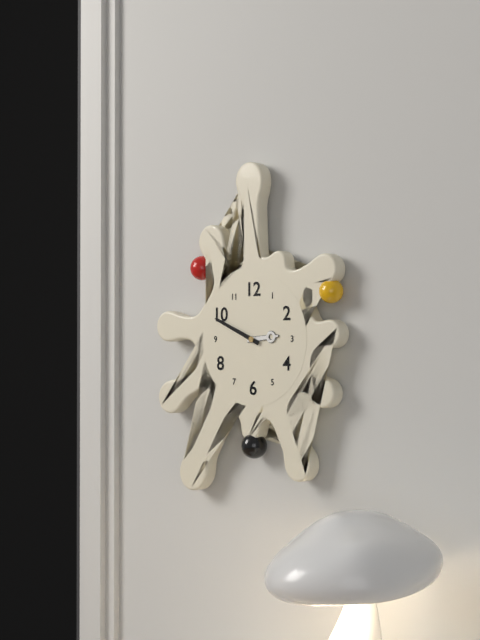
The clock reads 2,49
